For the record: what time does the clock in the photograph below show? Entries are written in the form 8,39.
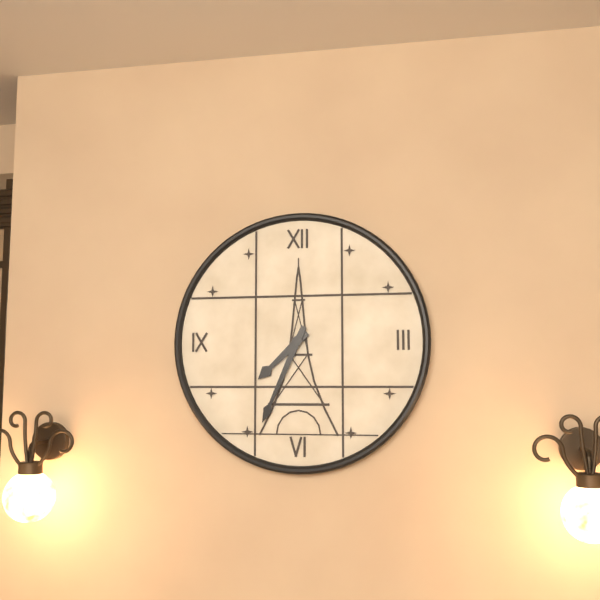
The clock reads 7,34
